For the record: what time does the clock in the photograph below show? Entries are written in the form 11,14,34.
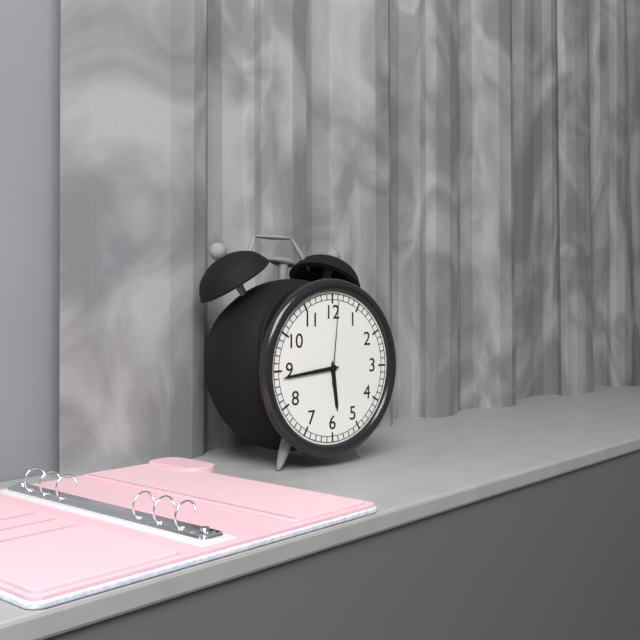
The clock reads 5,44,01
